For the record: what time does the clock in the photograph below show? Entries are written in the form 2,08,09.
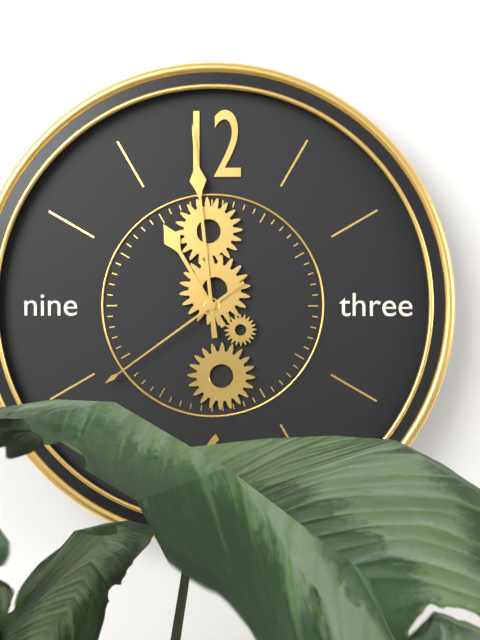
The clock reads 10,59,39
